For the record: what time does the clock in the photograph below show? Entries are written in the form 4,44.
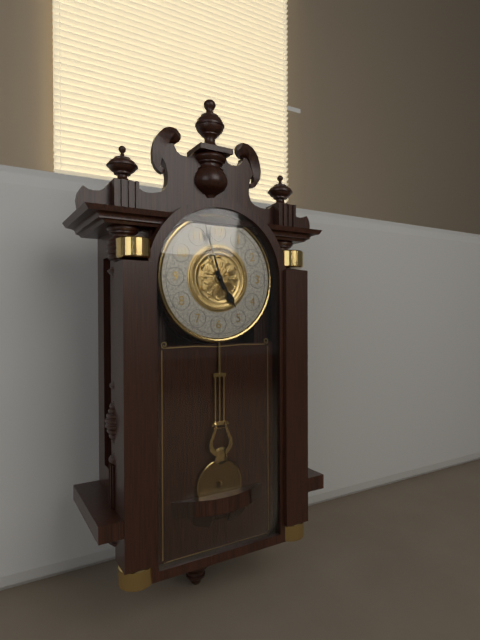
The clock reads 4,57
